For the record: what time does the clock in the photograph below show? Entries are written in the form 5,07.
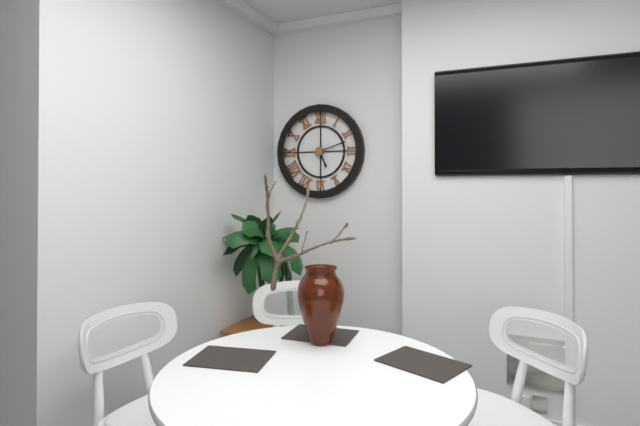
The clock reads 5,12
